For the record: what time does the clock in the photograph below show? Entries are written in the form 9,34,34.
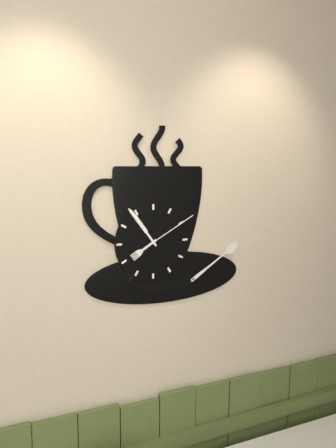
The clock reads 7,54,10
